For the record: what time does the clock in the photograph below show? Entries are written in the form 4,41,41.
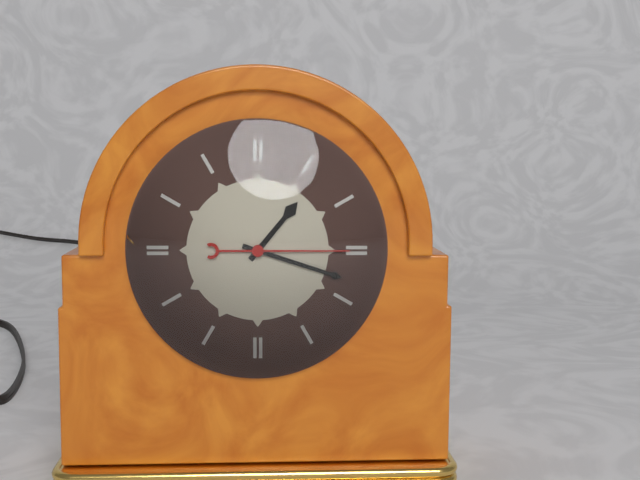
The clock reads 1,18,15
